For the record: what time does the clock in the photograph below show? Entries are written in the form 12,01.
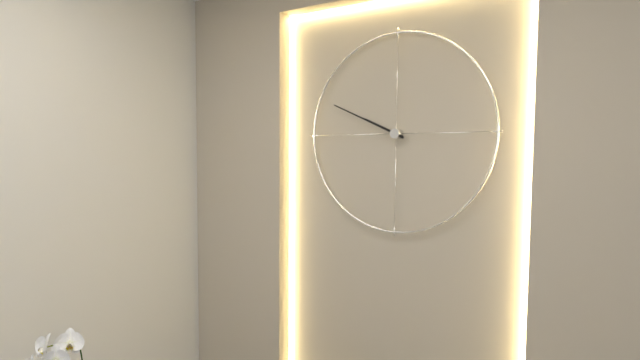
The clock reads 9,49
